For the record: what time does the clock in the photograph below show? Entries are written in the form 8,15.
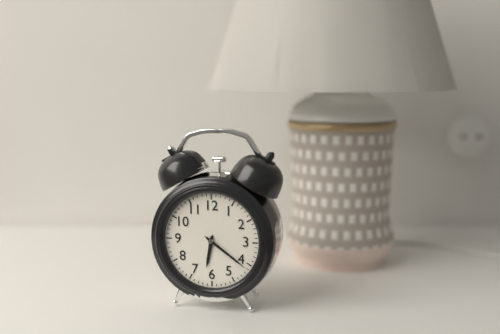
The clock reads 6,21
